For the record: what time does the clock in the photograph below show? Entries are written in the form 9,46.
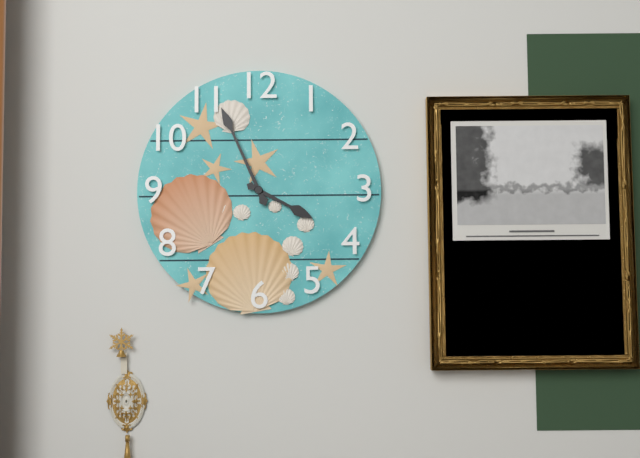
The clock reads 3,56
